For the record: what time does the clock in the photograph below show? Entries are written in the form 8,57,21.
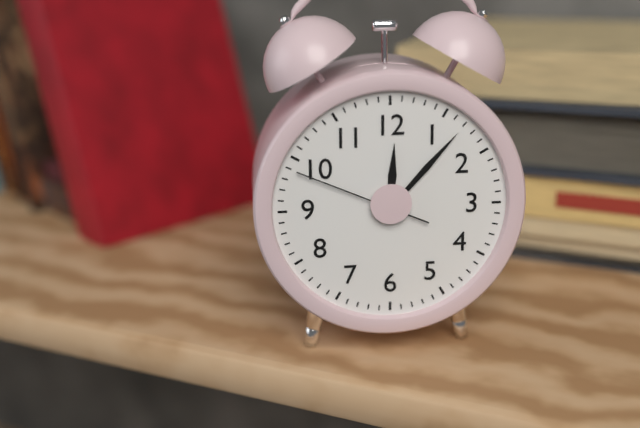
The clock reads 12,07,49
